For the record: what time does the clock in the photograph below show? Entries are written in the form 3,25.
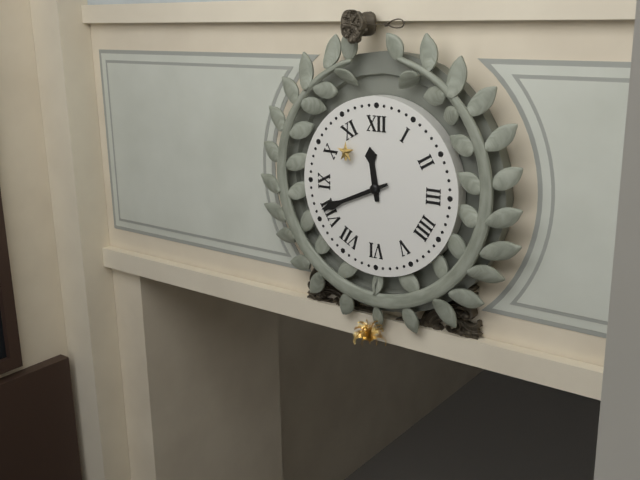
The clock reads 11,41
